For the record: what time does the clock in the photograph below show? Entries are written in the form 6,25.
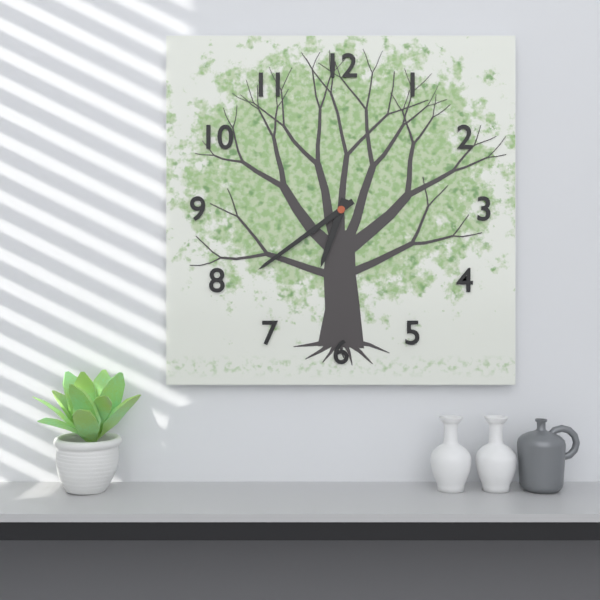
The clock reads 6,39
